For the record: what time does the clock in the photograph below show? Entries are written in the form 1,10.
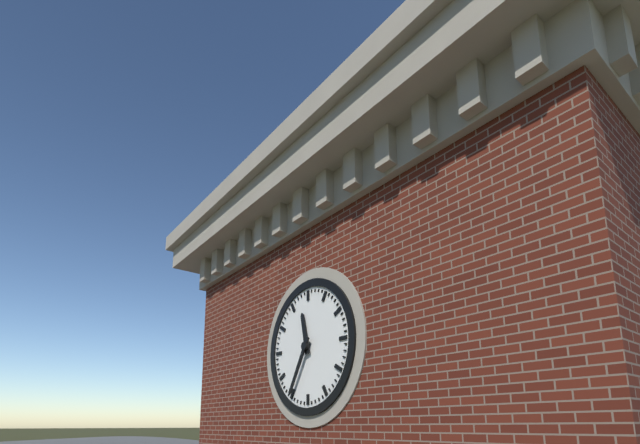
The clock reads 11,35
